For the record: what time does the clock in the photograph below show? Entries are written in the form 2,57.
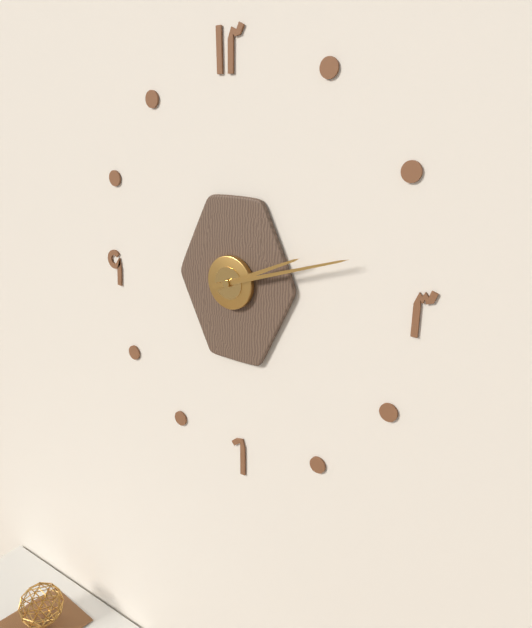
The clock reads 2,12
